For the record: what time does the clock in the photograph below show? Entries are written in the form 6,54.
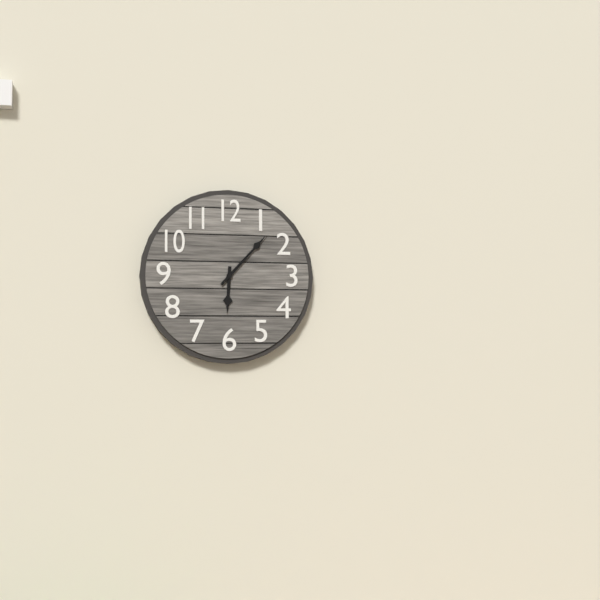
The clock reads 6,07
